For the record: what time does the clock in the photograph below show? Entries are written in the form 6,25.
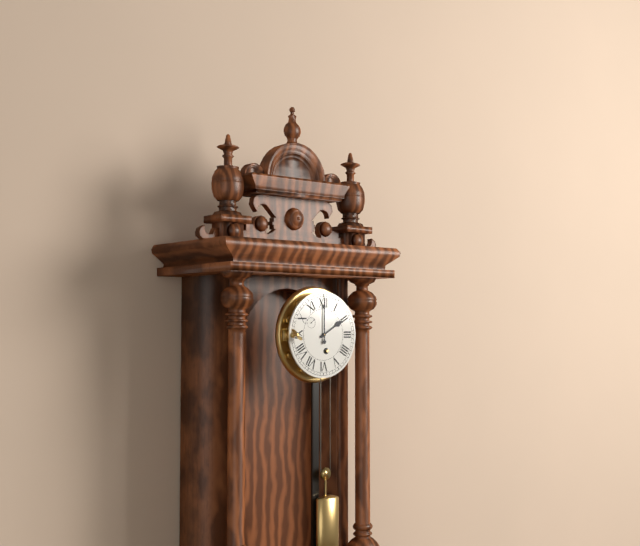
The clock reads 2,00
